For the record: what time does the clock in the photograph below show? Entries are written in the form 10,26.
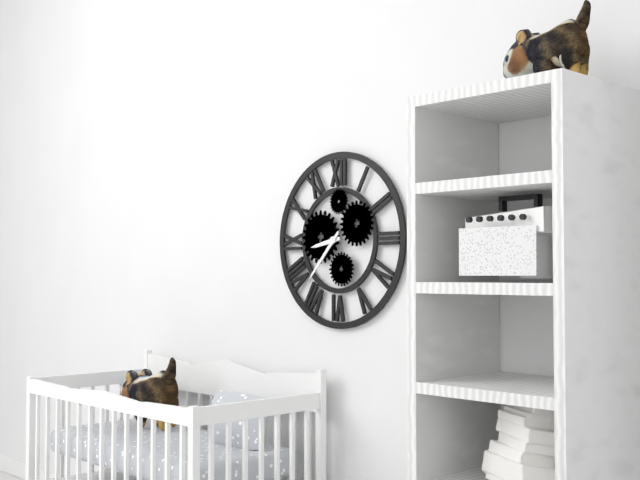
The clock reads 8,37
